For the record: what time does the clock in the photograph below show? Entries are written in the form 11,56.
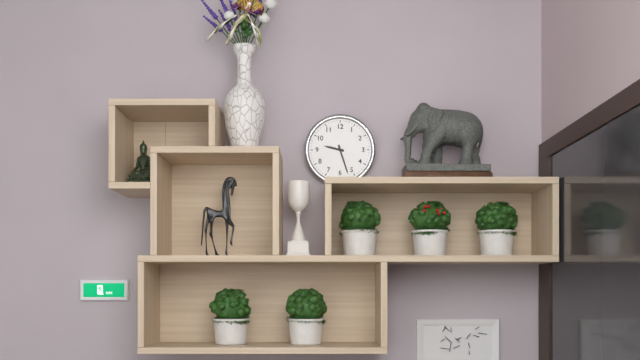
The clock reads 9,27
